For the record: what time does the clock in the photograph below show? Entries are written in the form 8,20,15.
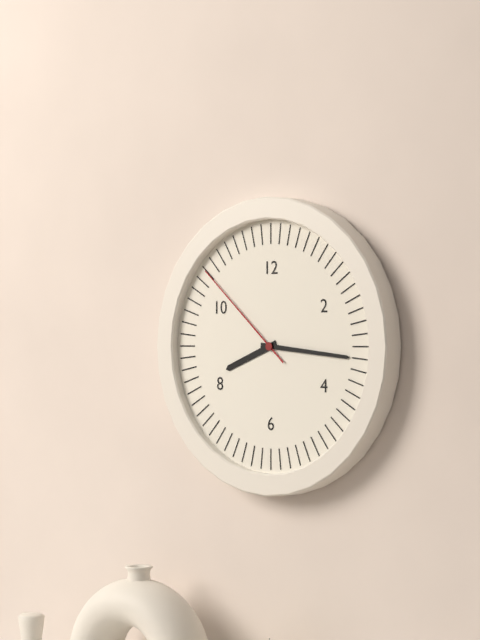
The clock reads 8,16,52
